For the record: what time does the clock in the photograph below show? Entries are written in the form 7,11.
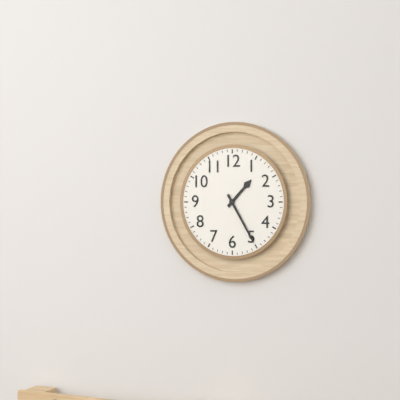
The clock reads 1,25
